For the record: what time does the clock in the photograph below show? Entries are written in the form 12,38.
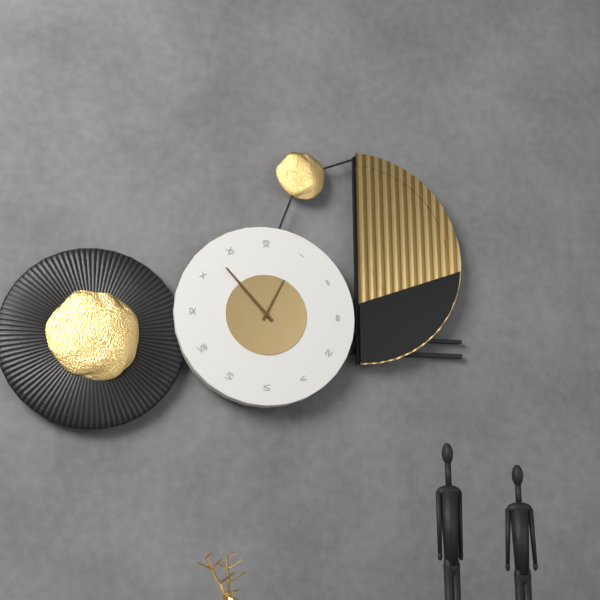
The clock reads 12,53
